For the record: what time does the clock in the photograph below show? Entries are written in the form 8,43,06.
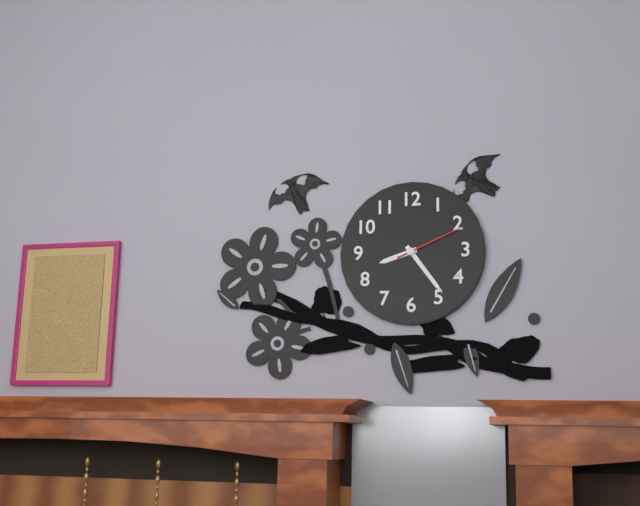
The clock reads 8,24,11
